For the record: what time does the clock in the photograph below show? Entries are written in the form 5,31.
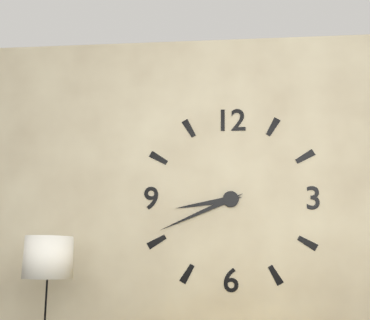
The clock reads 8,41
